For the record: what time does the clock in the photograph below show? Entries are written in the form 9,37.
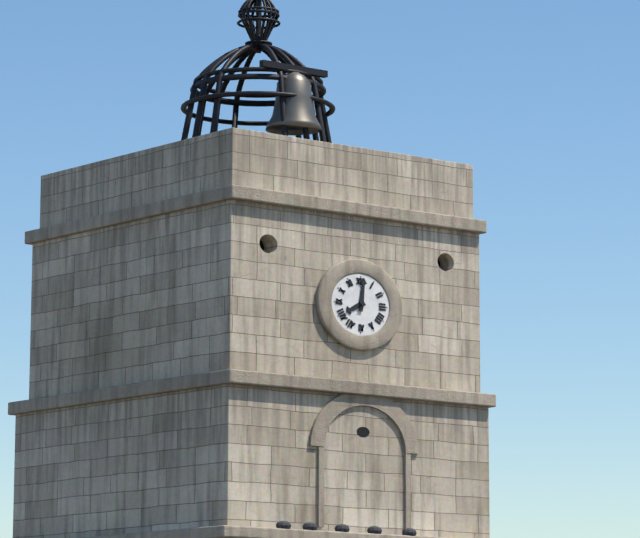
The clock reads 8,01
